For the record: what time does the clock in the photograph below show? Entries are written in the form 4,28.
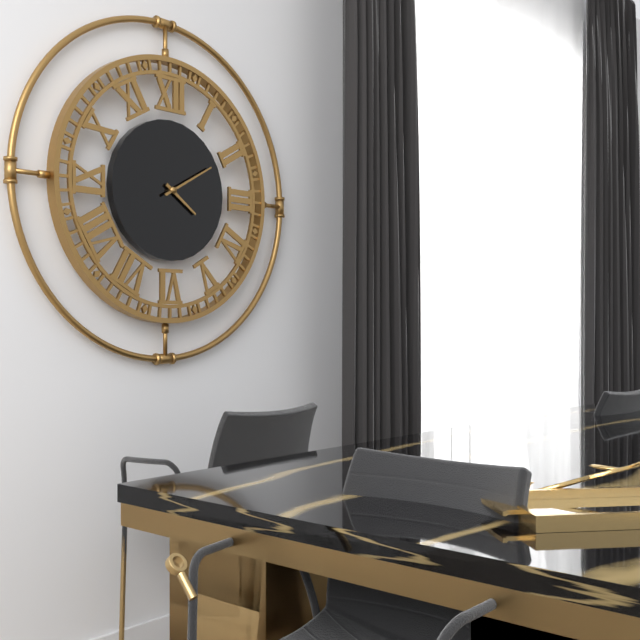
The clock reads 4,10
